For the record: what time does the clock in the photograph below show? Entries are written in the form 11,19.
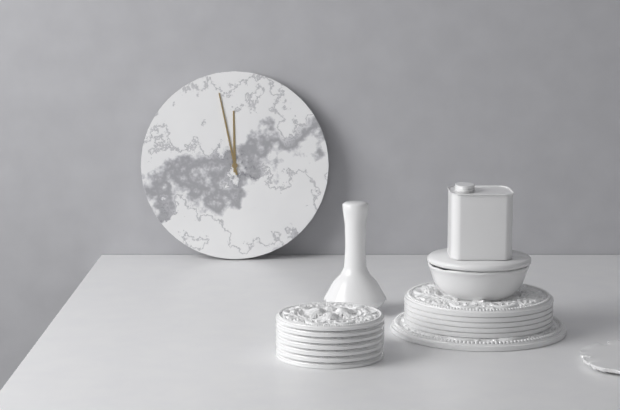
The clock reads 11,58
